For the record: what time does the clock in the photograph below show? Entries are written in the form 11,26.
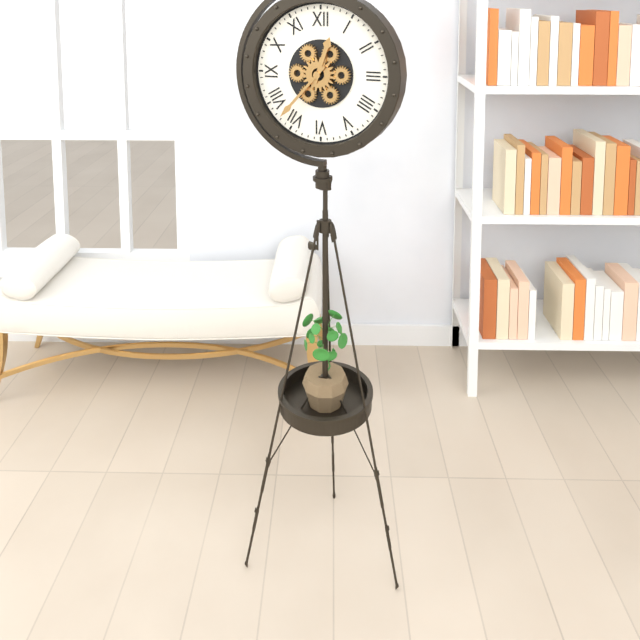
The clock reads 12,37
